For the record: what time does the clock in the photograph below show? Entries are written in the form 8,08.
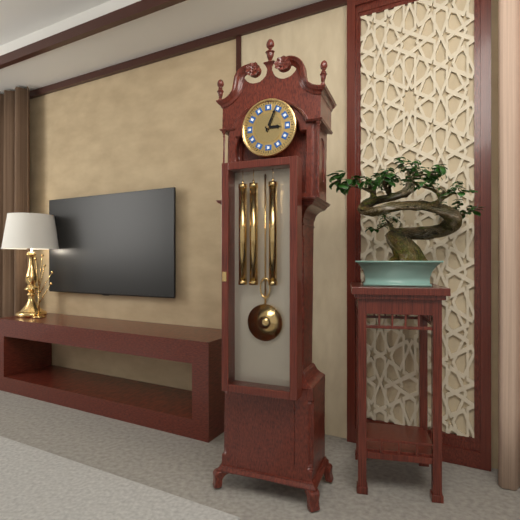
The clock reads 3,04
